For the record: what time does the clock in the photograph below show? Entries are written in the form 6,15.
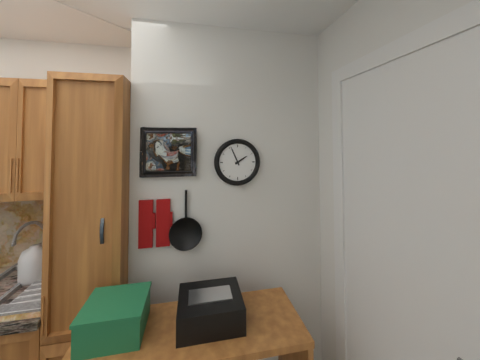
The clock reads 1,56
